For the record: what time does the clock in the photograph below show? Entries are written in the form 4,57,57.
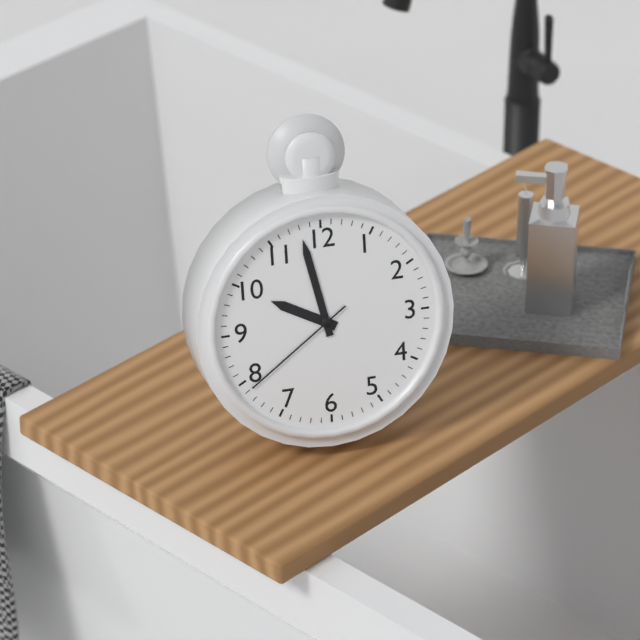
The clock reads 9,58,39
